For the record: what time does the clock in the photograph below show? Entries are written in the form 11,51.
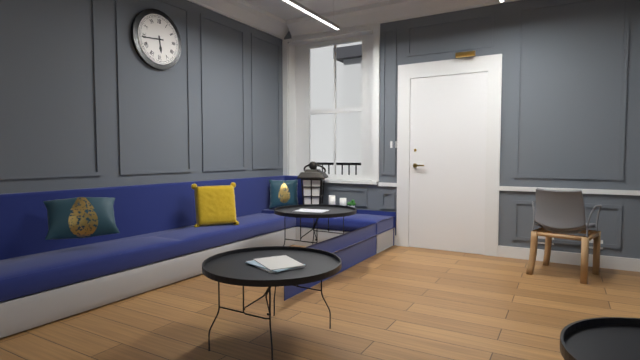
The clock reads 5,44
